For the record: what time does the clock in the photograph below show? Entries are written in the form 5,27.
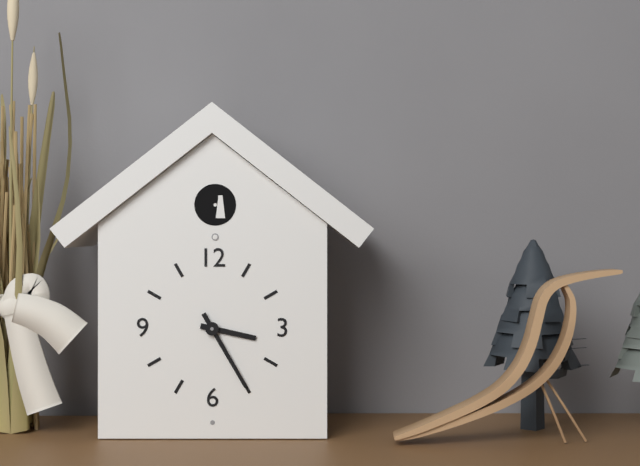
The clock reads 3,25
